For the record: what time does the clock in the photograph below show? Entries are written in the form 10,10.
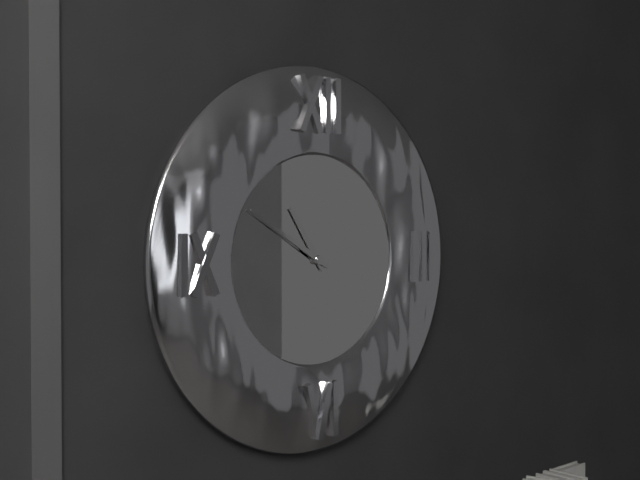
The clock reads 10,50
